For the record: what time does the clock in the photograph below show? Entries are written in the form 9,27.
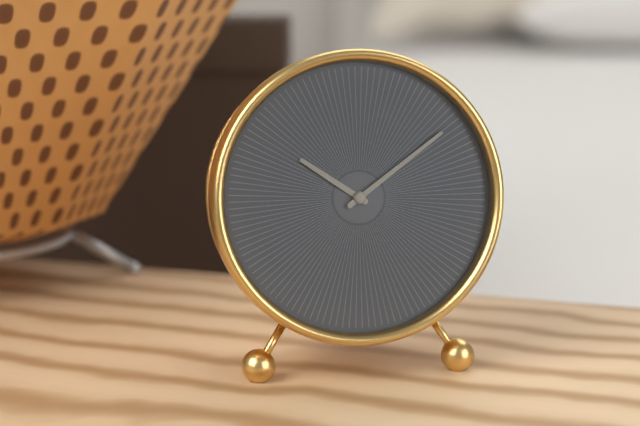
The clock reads 10,09
